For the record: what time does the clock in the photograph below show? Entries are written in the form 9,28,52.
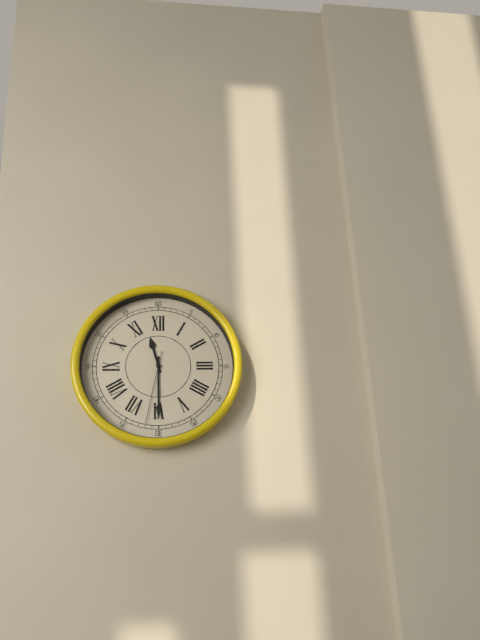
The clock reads 11,30,32
